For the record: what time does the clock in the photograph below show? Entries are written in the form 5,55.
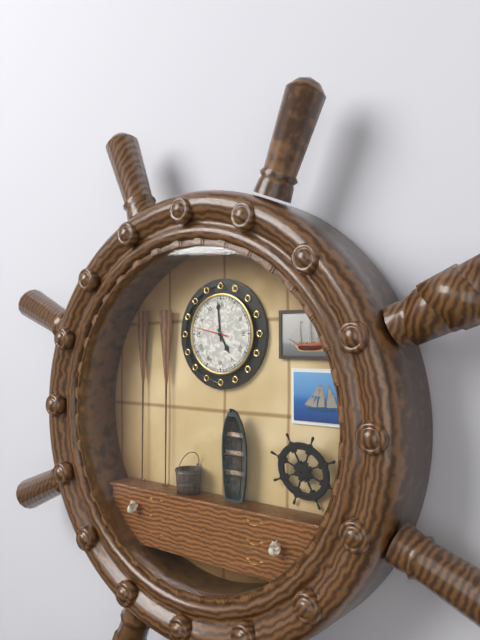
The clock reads 4,59
